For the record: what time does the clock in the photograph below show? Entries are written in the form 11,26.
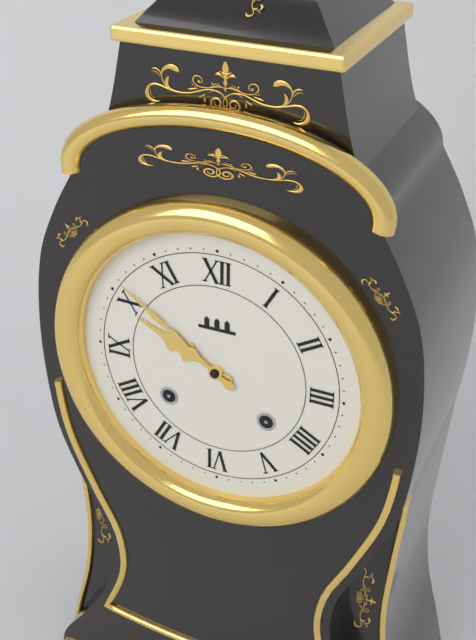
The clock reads 9,51
